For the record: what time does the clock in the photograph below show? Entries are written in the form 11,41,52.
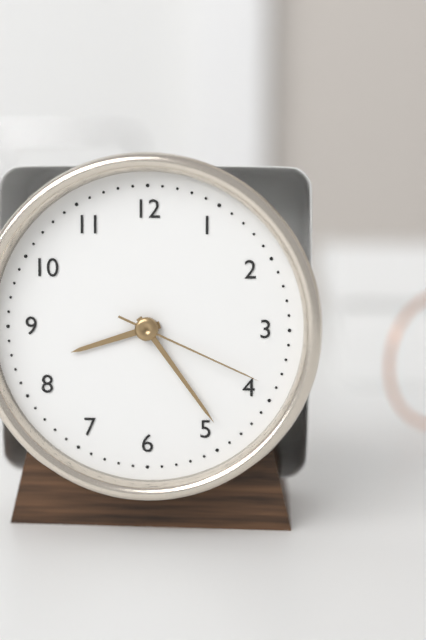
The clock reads 8,24,19
